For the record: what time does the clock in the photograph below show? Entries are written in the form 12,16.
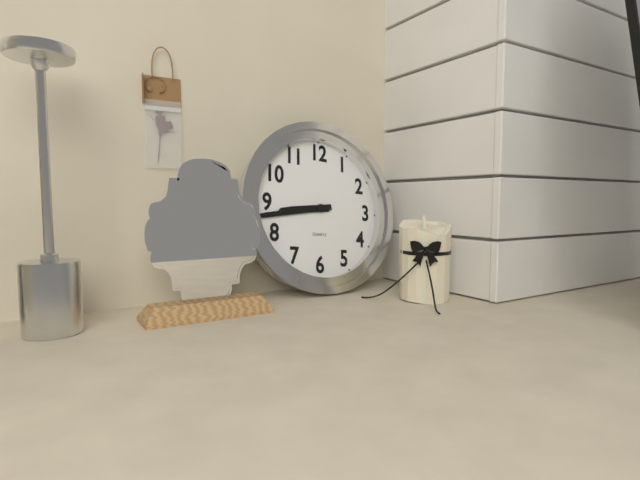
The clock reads 8,43
